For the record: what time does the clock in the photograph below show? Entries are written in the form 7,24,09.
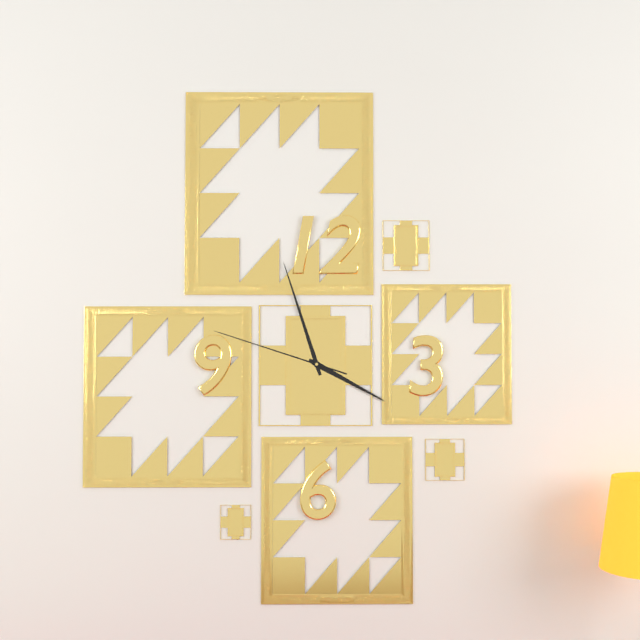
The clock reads 3,57,48
